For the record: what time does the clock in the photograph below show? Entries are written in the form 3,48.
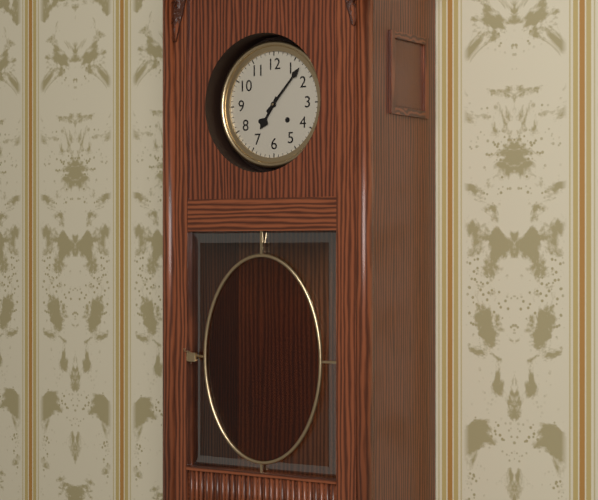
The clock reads 7,07
